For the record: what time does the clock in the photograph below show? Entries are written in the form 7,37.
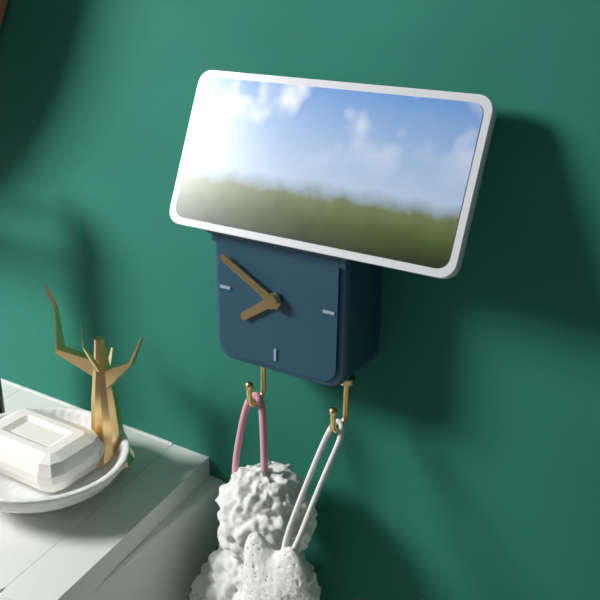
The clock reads 7,50
